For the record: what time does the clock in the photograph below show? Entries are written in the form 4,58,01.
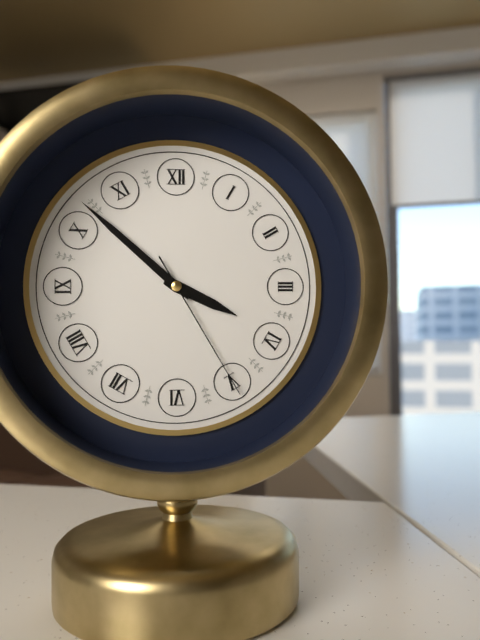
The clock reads 3,52,25
